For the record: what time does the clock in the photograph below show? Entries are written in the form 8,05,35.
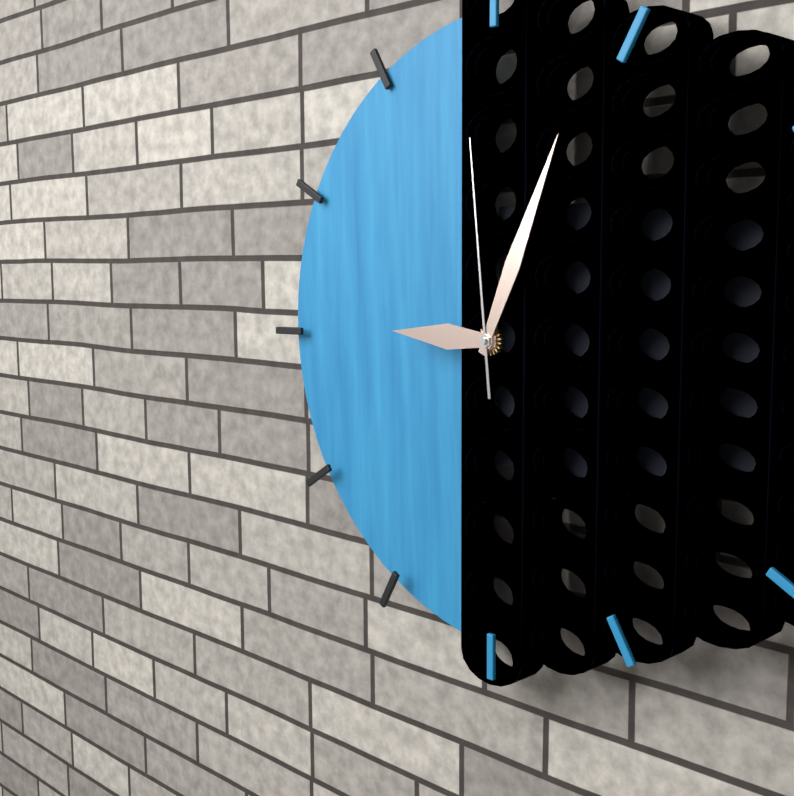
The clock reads 9,04,59
